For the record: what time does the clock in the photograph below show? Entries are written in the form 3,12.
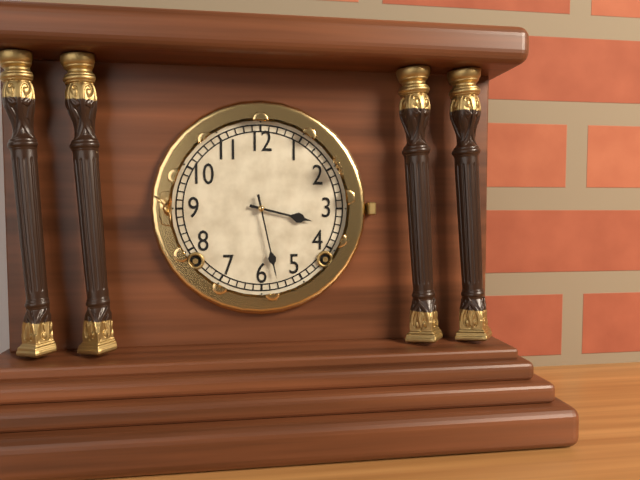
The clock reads 3,28
